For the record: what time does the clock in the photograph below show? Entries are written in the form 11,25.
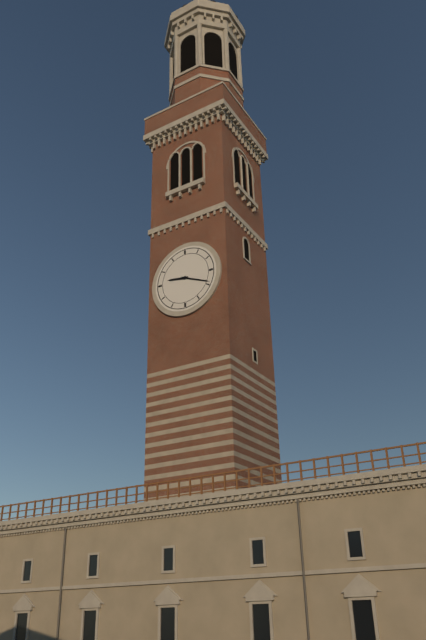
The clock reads 9,19
